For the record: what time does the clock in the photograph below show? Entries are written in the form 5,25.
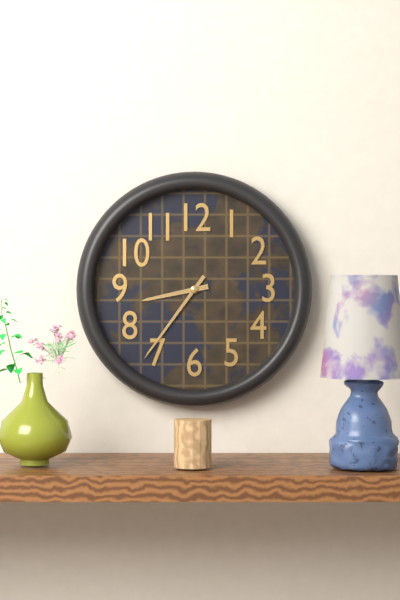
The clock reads 8,36
